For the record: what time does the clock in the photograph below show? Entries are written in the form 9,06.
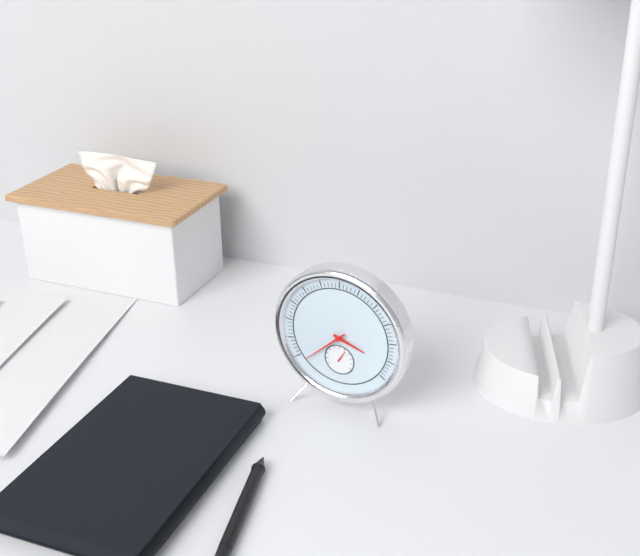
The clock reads 3,38
